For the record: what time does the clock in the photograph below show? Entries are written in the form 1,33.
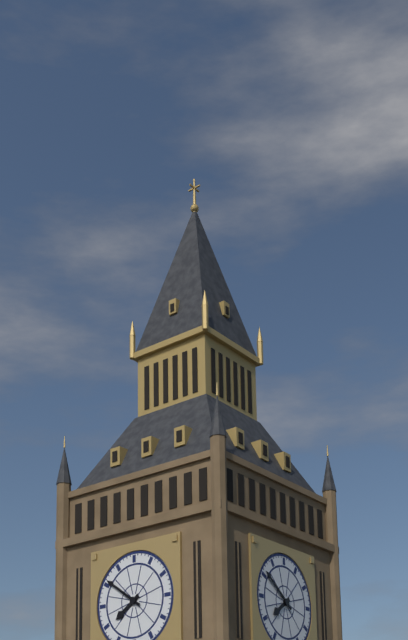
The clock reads 7,51
